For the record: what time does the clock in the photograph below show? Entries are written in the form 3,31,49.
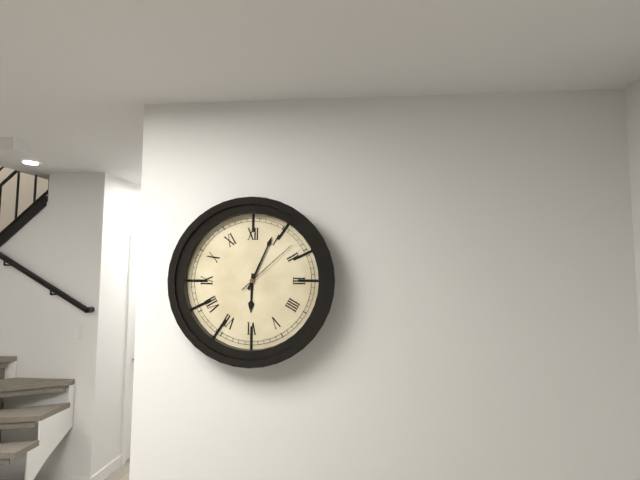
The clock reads 6,04,08
